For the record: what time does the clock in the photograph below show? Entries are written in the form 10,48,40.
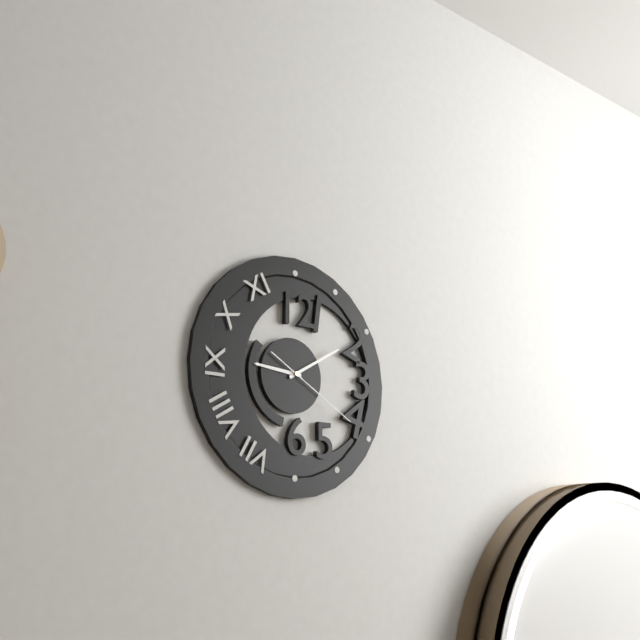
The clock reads 9,10,20
